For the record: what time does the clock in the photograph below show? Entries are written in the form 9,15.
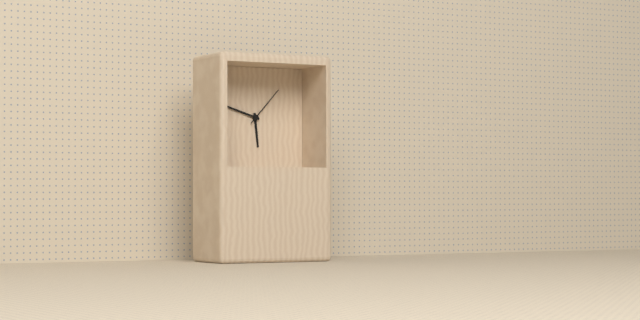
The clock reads 5,48
